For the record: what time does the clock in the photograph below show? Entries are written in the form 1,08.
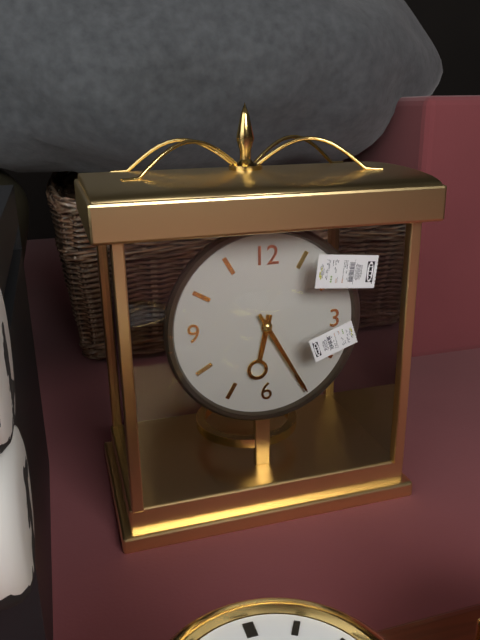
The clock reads 6,25
